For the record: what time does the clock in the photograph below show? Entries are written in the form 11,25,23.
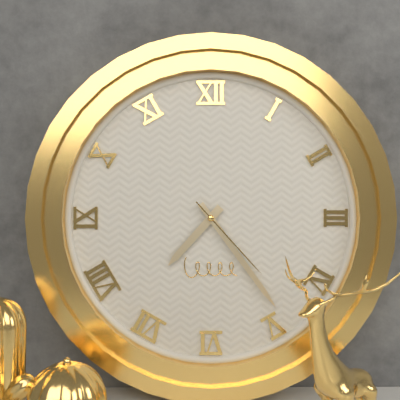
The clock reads 7,24,23
